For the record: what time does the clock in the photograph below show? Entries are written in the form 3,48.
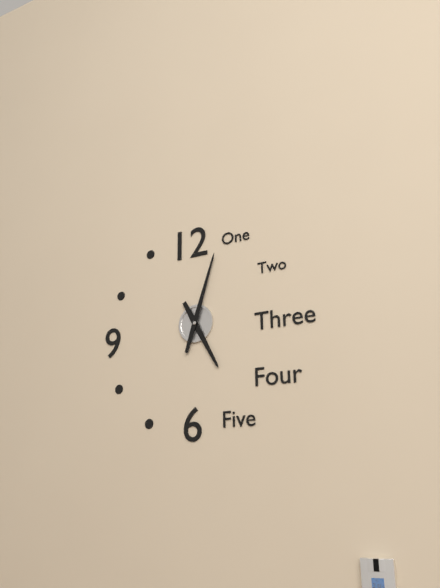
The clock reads 5,03
